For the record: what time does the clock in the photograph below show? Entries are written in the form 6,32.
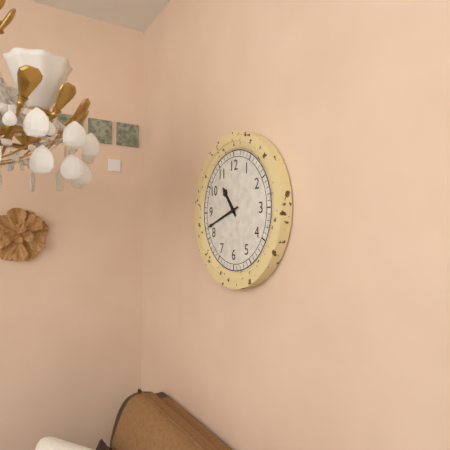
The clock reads 10,42
